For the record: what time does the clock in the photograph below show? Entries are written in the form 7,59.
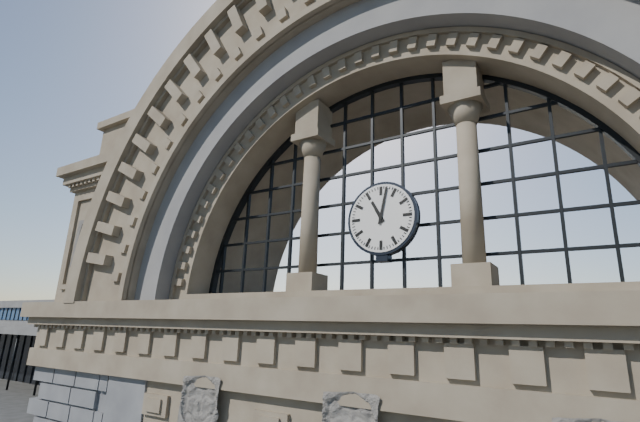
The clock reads 11,02
